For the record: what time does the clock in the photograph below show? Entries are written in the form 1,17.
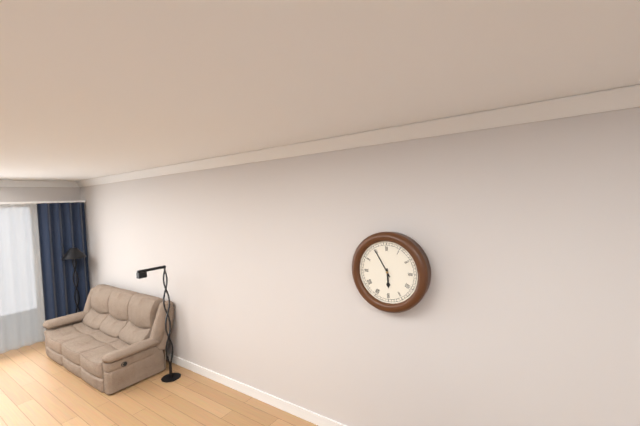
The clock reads 5,55
